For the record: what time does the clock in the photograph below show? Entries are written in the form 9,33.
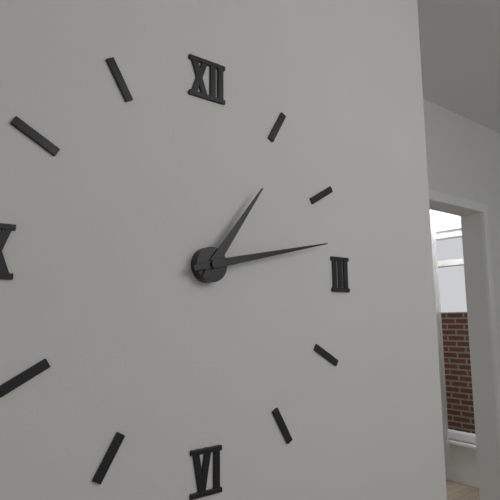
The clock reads 1,13
